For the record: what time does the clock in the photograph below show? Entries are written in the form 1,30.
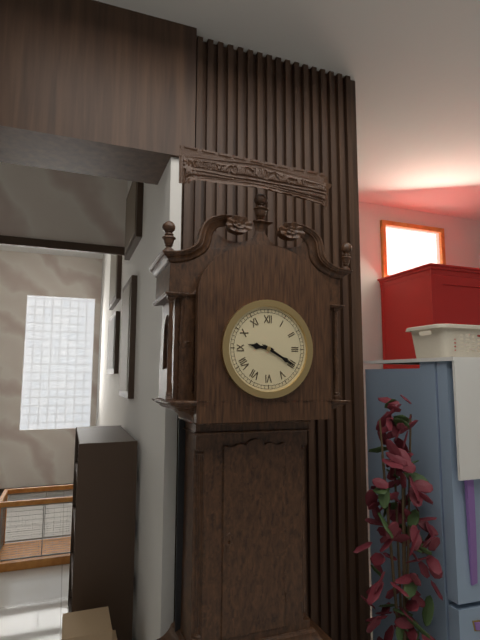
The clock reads 9,20
